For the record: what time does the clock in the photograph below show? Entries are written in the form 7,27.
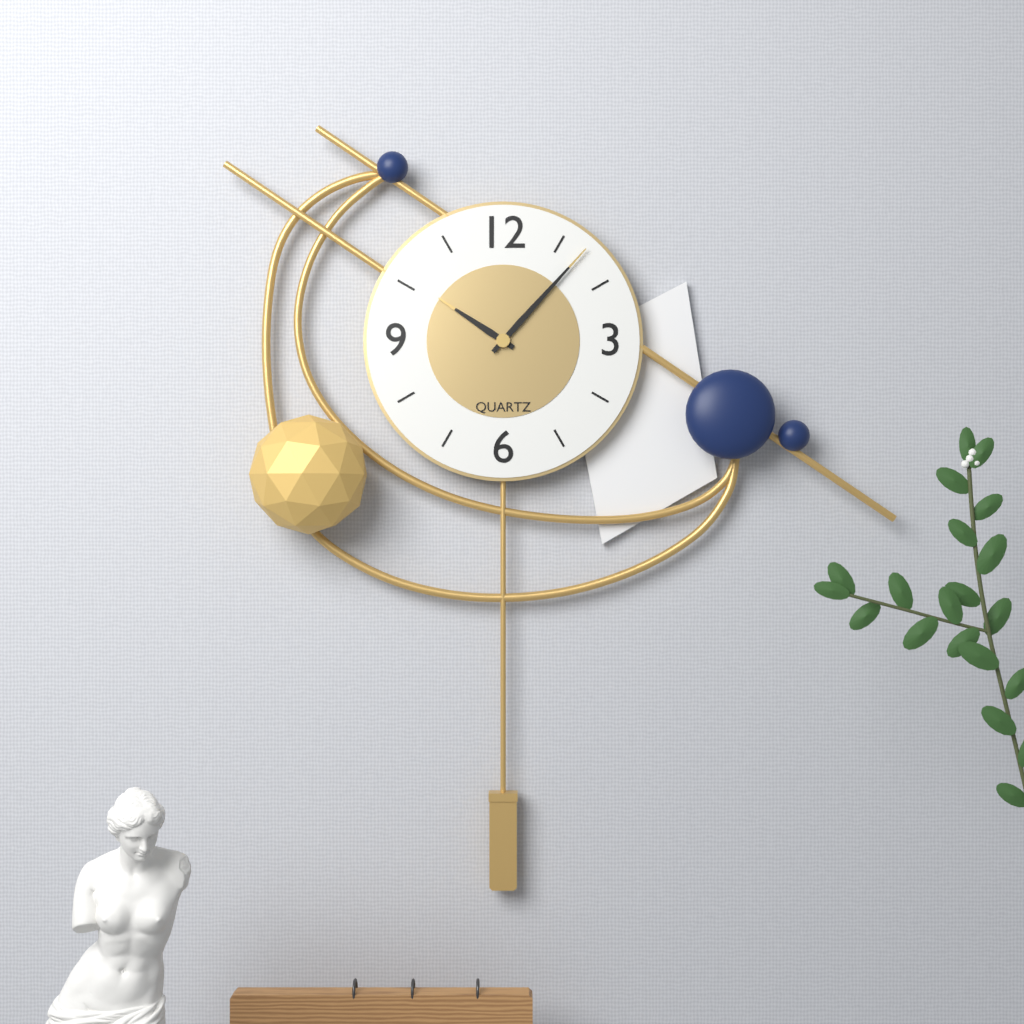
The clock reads 10,07
